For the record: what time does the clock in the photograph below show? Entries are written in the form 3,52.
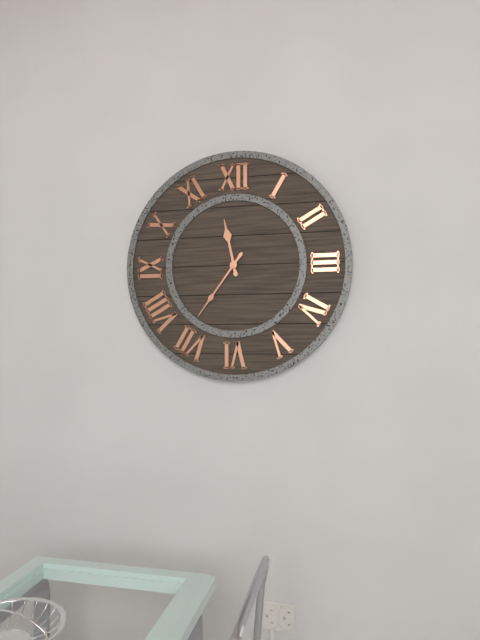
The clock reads 11,36
